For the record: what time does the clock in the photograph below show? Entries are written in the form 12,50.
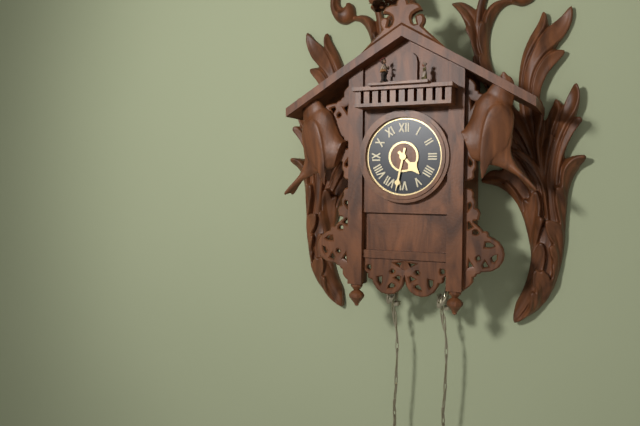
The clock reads 4,32
